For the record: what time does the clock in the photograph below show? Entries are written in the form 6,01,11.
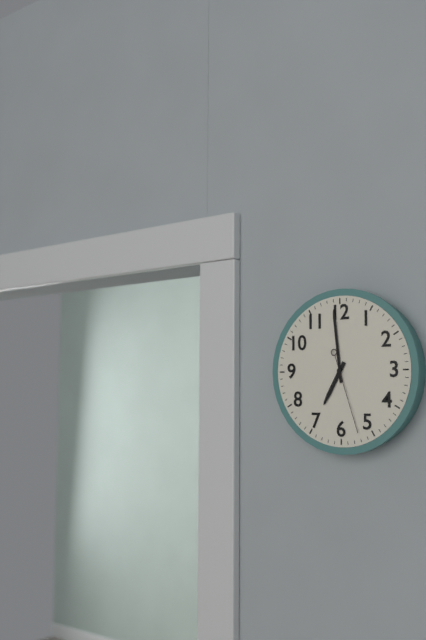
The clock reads 6,59,27
